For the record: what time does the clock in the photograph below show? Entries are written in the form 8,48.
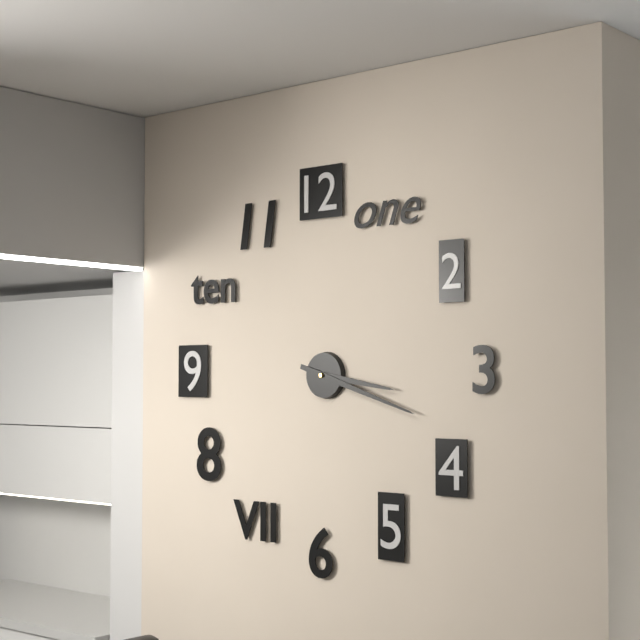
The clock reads 3,18
